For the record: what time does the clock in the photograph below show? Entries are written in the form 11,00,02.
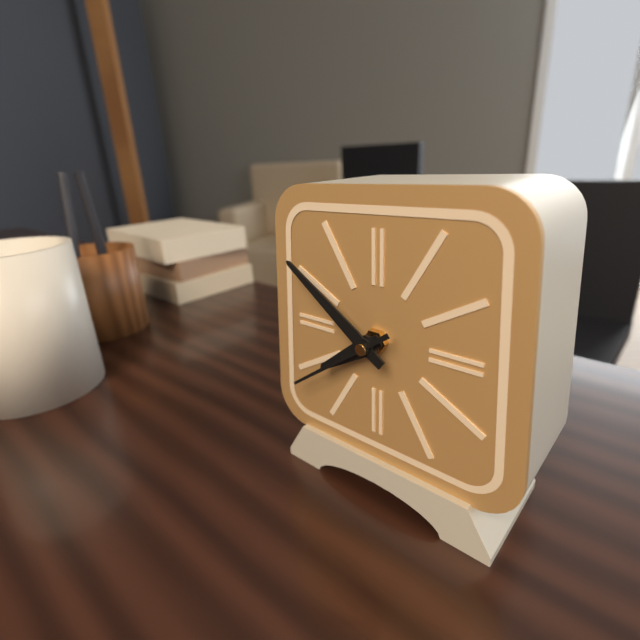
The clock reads 7,51,39
